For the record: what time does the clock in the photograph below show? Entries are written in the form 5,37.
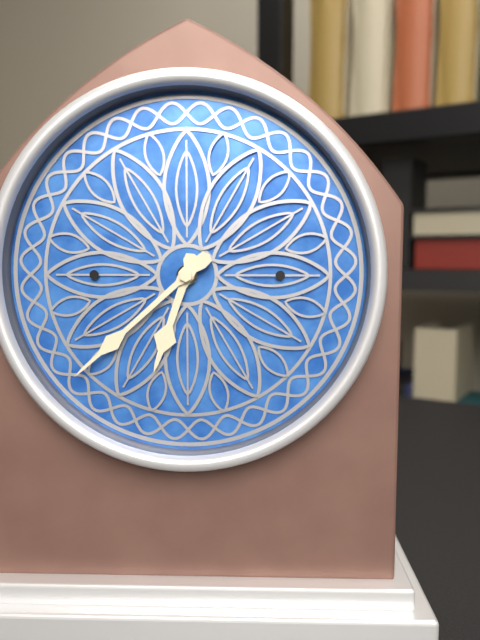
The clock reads 6,38
